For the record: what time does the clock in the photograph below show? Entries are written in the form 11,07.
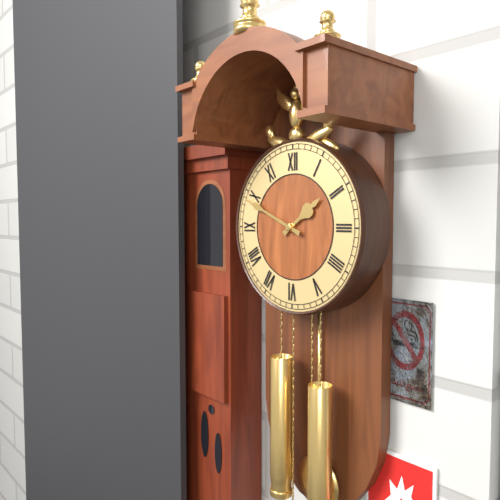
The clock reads 1,49
